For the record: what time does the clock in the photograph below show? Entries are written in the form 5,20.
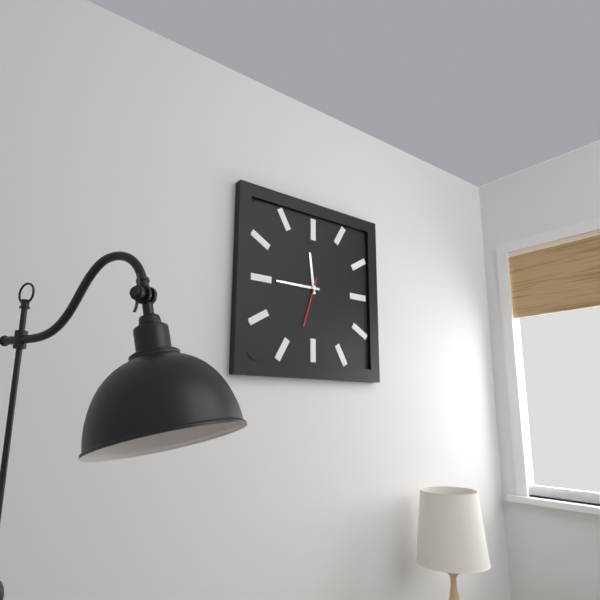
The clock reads 11,45
